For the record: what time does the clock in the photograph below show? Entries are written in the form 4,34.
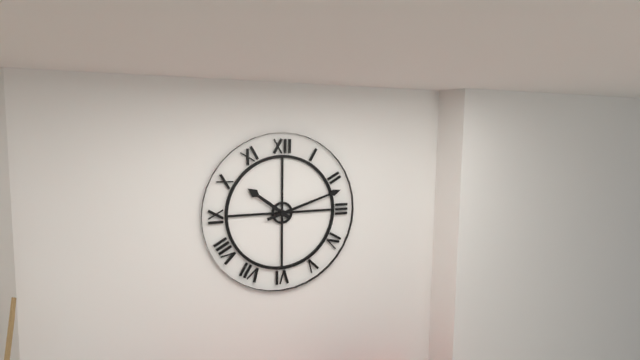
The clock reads 10,12
